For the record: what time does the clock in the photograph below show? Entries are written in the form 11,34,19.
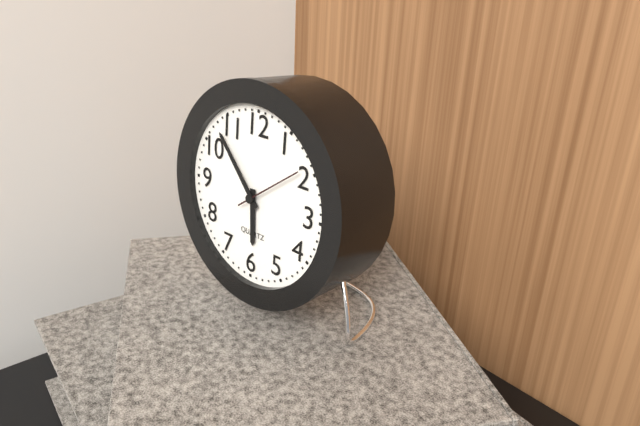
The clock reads 5,53,09
